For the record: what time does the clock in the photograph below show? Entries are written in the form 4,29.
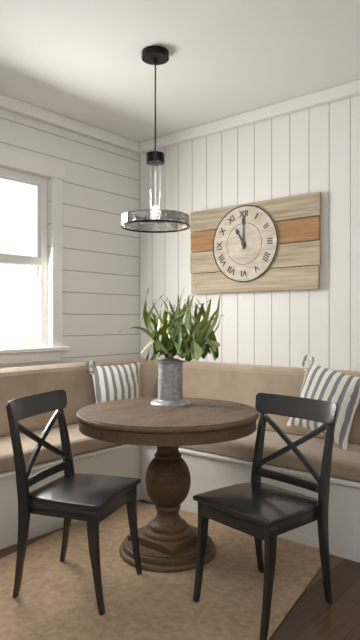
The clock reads 11,00
